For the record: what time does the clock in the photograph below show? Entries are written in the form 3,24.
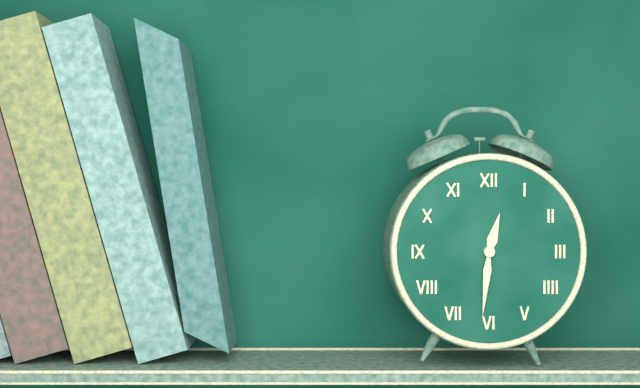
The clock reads 12,31
